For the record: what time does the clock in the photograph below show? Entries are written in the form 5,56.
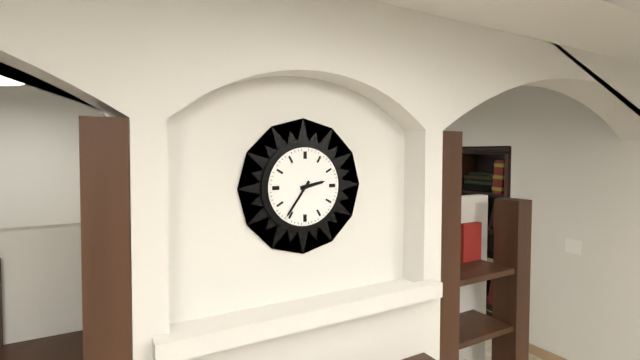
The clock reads 2,36
